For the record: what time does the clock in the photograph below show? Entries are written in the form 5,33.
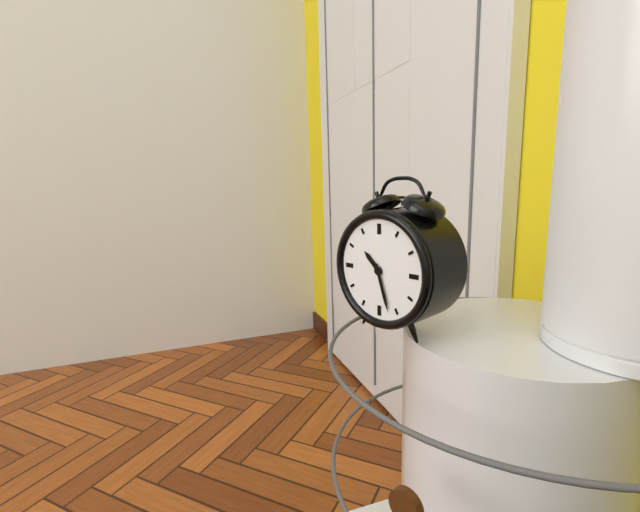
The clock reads 10,27
